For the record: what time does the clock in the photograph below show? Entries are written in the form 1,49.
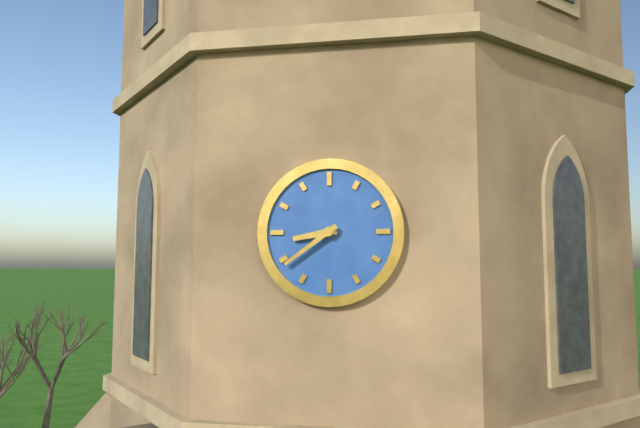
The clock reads 8,39
